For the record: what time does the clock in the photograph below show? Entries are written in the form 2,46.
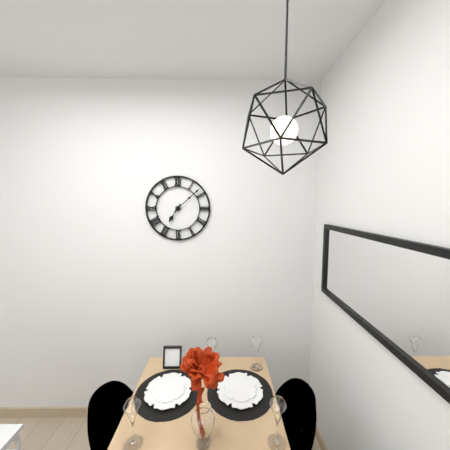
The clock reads 7,08
